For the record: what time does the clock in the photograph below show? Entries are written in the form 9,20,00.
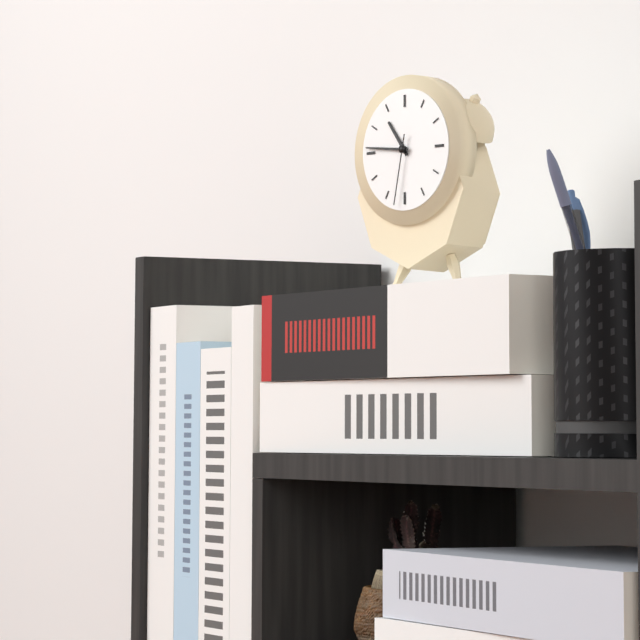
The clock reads 10,46,32
